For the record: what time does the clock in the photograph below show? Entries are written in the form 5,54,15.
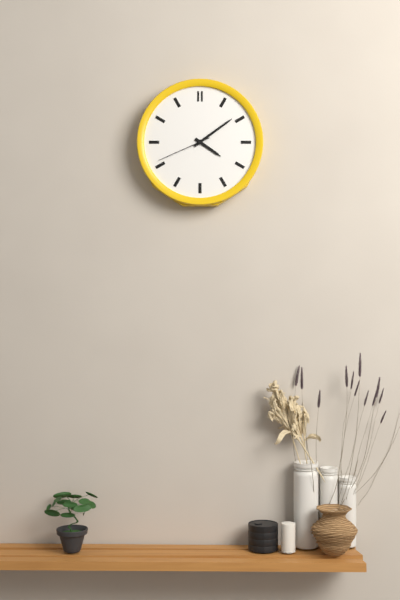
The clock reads 4,09,41
